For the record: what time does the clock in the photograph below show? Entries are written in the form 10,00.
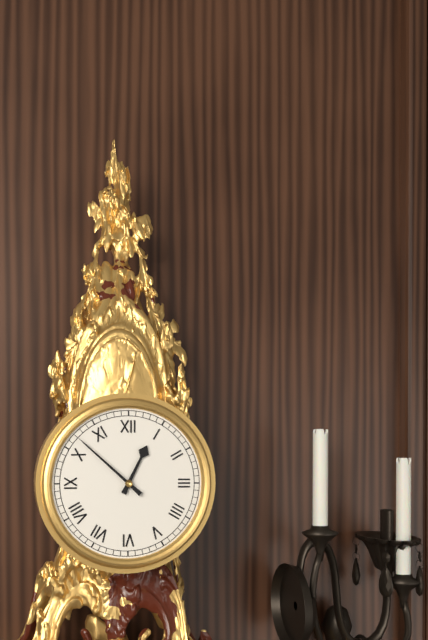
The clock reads 12,52
